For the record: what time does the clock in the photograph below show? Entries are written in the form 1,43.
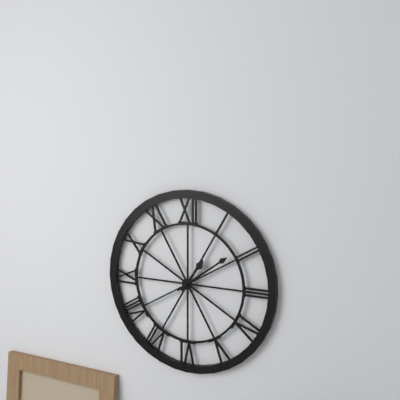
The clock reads 1,09
